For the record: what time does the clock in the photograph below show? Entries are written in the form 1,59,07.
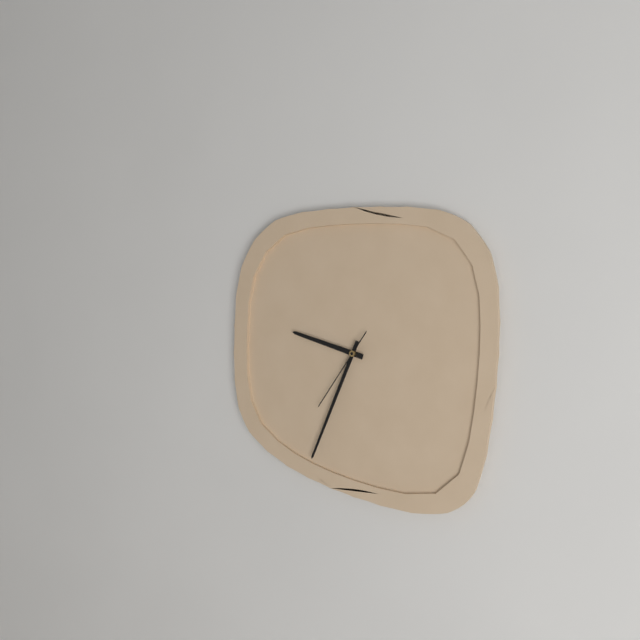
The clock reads 9,34,36
